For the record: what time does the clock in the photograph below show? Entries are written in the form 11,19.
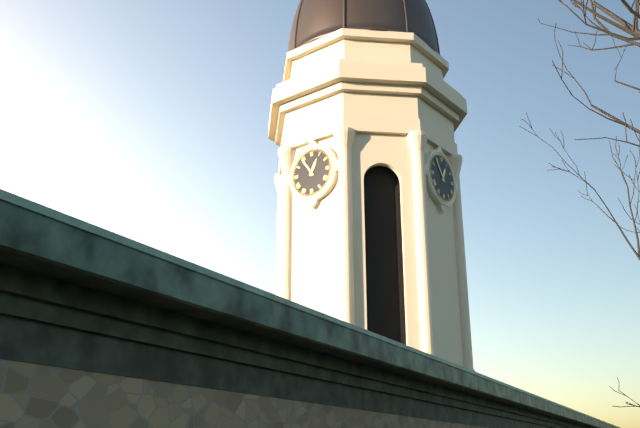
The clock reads 12,54
